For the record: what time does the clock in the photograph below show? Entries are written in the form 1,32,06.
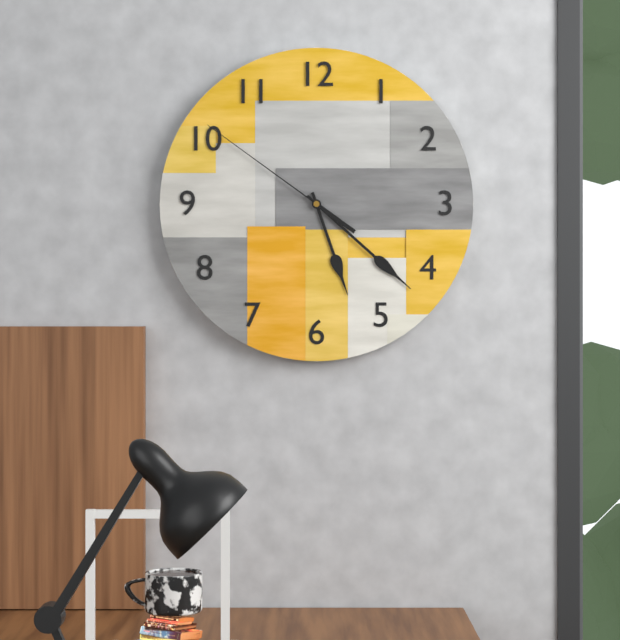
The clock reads 5,22,51
